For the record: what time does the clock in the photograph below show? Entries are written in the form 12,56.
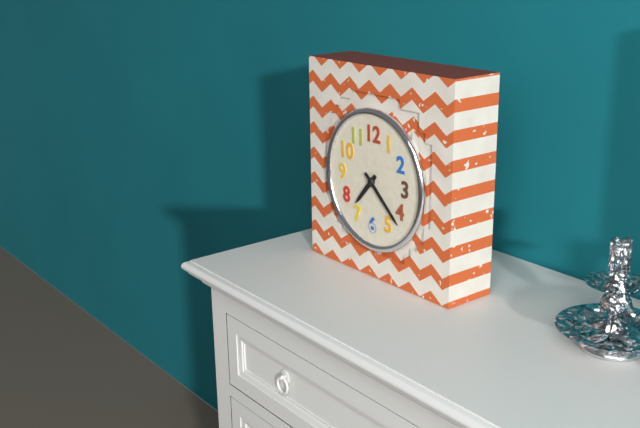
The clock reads 7,22
